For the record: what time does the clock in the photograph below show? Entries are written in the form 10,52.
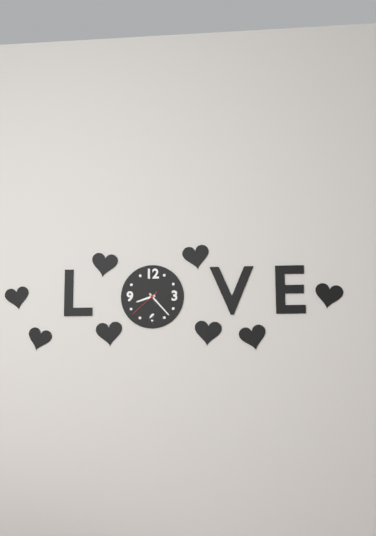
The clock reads 8,23
